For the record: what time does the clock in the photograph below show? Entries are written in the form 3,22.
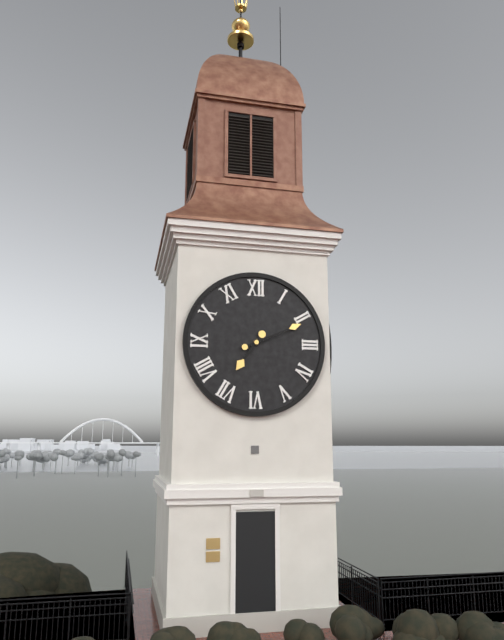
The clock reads 7,11
